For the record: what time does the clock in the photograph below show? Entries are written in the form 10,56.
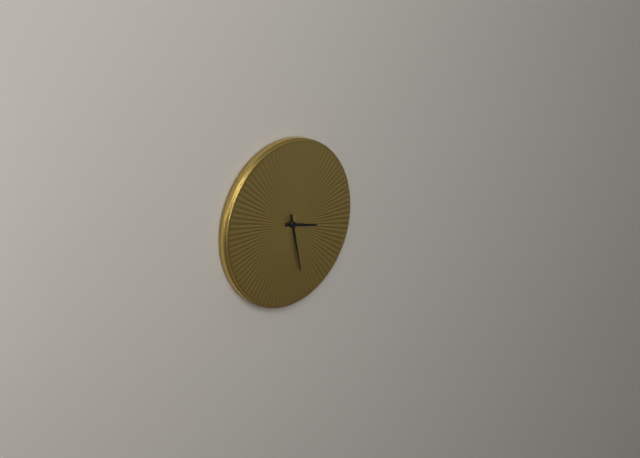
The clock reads 3,28
